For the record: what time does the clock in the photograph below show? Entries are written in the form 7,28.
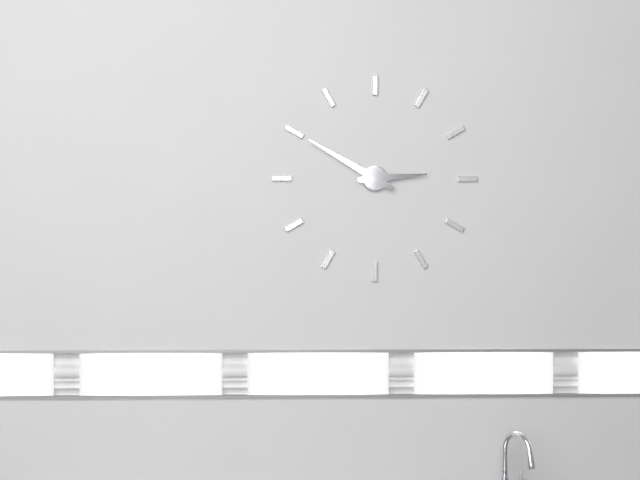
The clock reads 2,50
